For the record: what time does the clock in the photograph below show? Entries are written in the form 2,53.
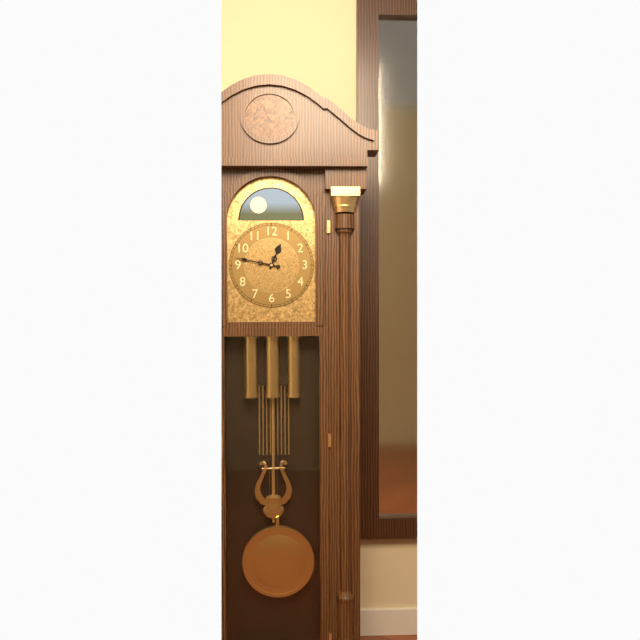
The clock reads 12,47
